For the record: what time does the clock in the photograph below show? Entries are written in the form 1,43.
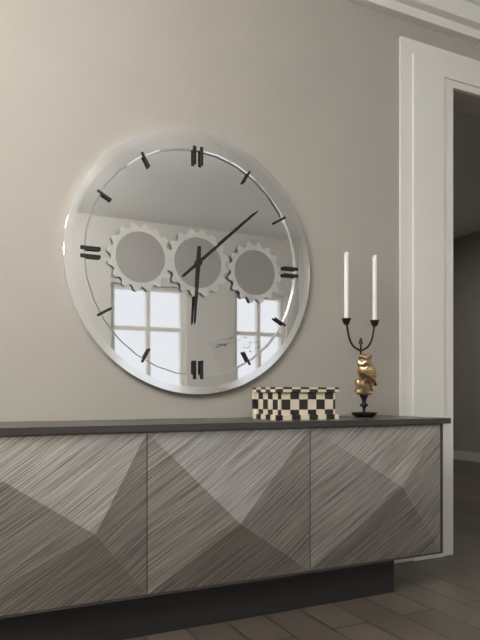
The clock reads 6,08
